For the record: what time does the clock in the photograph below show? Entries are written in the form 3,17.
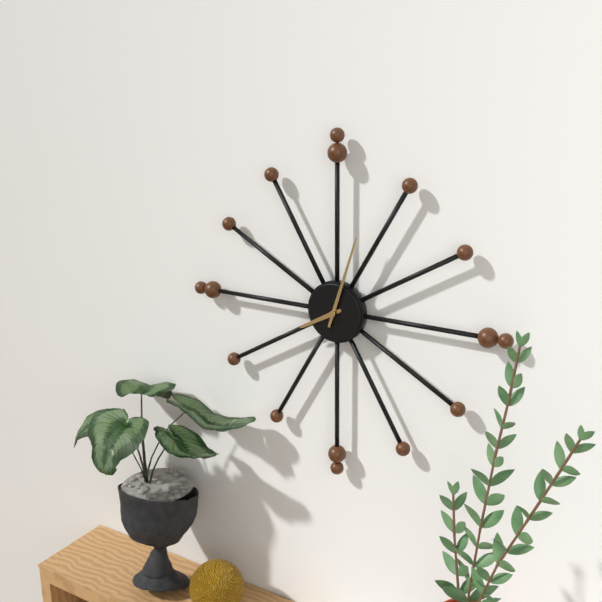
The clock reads 8,03
